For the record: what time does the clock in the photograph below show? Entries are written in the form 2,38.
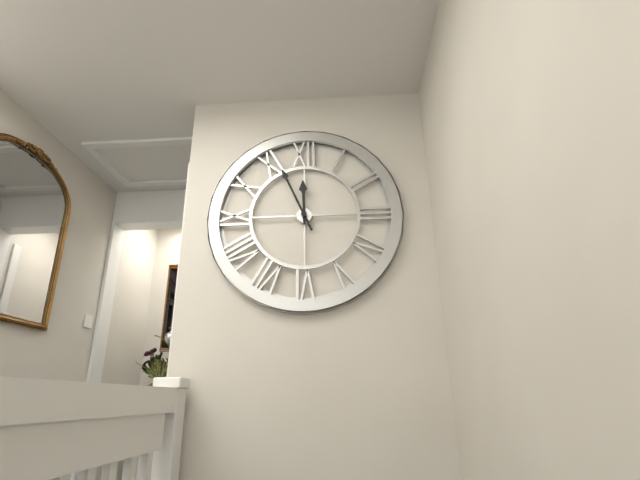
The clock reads 11,56
